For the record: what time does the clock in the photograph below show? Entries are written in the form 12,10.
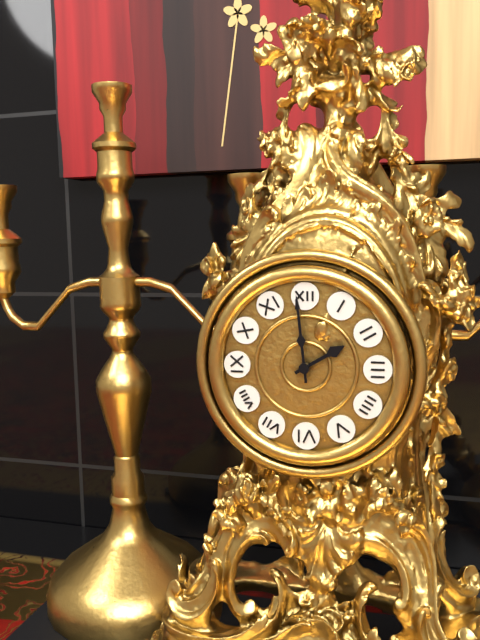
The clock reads 1,59
